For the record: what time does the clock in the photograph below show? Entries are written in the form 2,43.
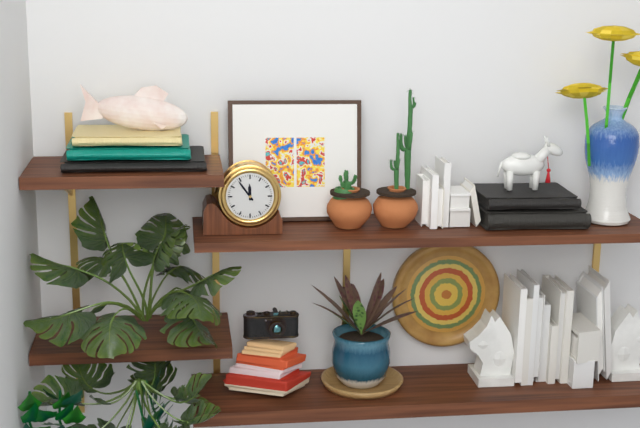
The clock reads 11,54
